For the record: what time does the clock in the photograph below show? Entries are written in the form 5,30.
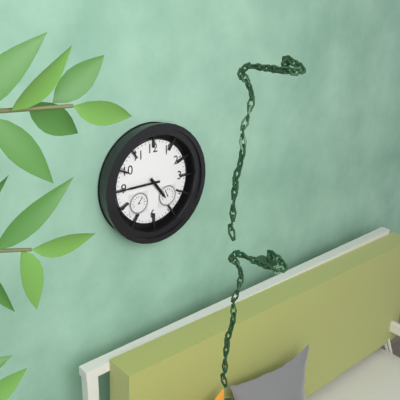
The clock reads 4,45
